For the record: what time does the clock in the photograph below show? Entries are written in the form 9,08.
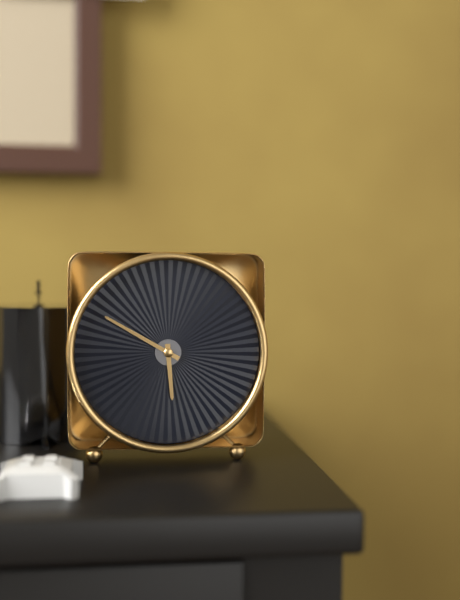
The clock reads 5,50
